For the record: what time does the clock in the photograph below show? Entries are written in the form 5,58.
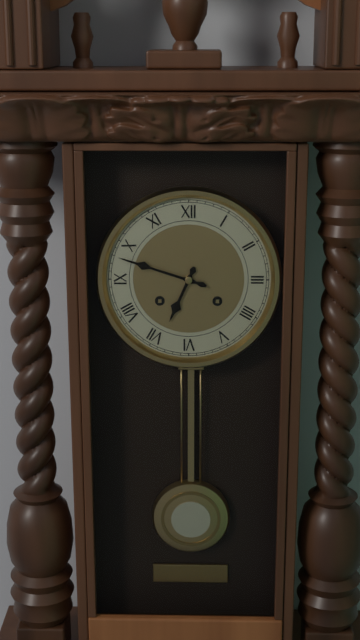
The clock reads 6,48
